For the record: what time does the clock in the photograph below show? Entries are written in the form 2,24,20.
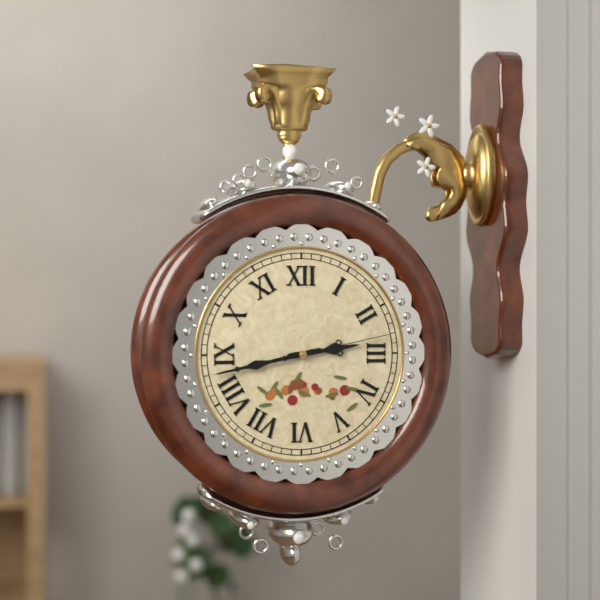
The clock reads 2,43,13
